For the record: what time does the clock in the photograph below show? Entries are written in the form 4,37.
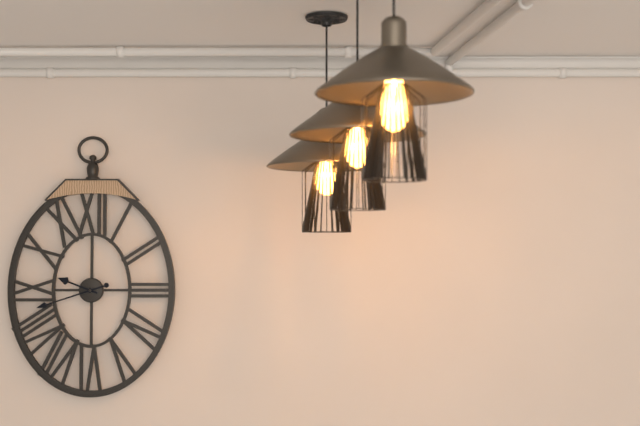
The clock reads 9,42
